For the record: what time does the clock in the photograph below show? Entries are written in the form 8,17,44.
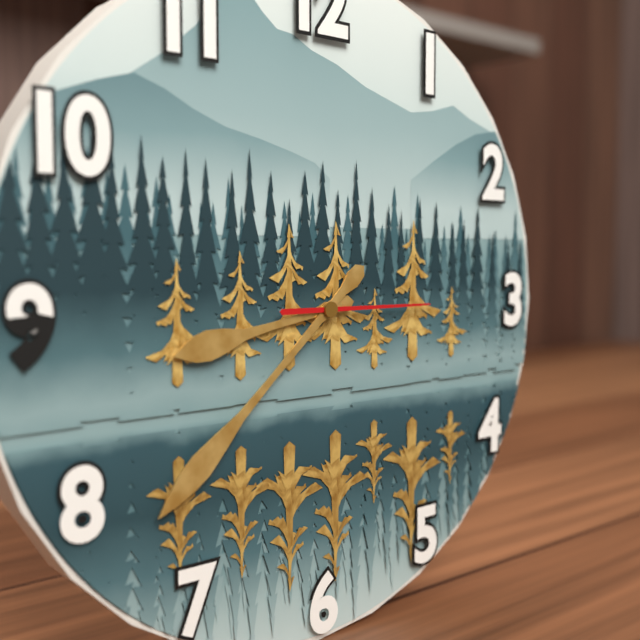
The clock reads 8,38,15
